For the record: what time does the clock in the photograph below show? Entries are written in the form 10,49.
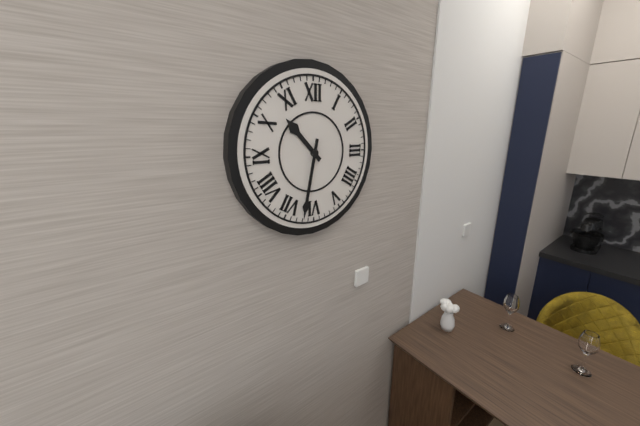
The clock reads 10,32
